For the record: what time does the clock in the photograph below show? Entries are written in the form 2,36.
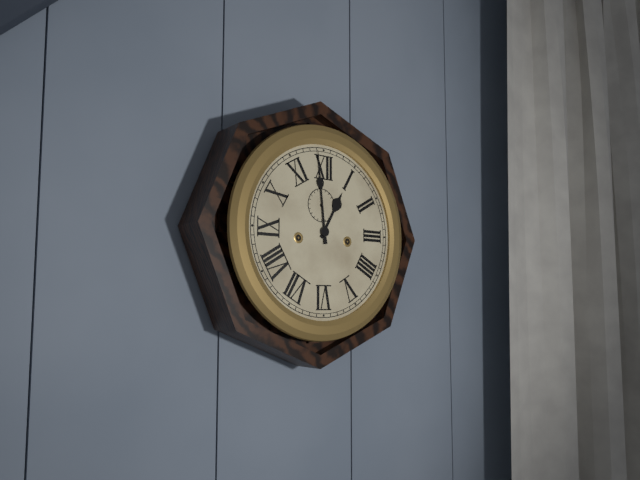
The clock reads 12,59
